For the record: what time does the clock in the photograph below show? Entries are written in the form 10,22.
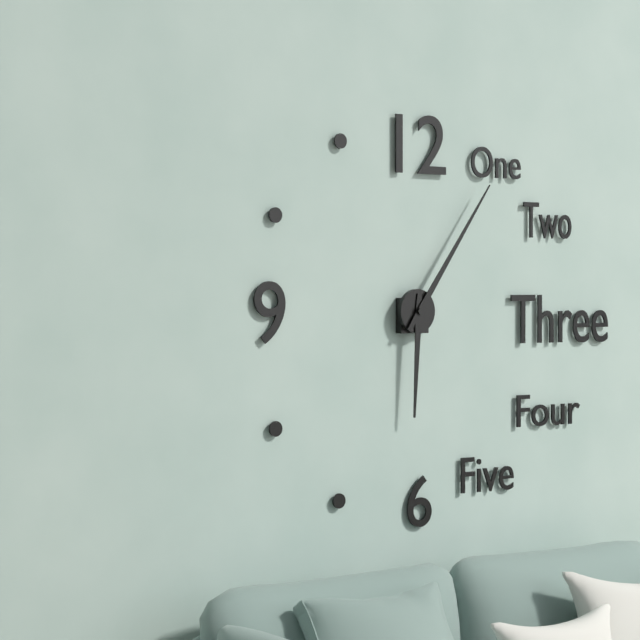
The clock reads 6,06
